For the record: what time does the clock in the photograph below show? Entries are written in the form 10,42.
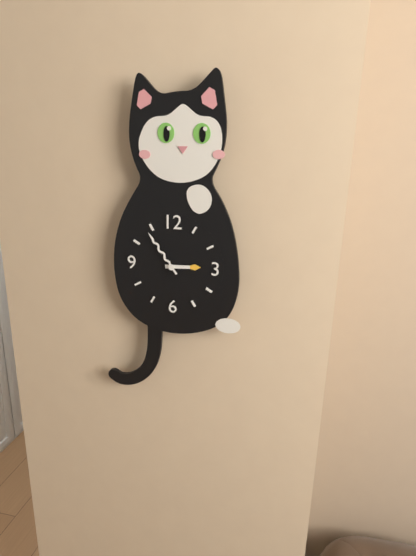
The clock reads 2,54
